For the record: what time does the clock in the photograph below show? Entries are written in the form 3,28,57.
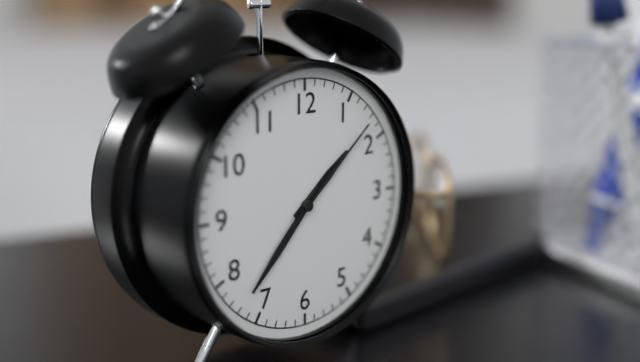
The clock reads 1,37,08
